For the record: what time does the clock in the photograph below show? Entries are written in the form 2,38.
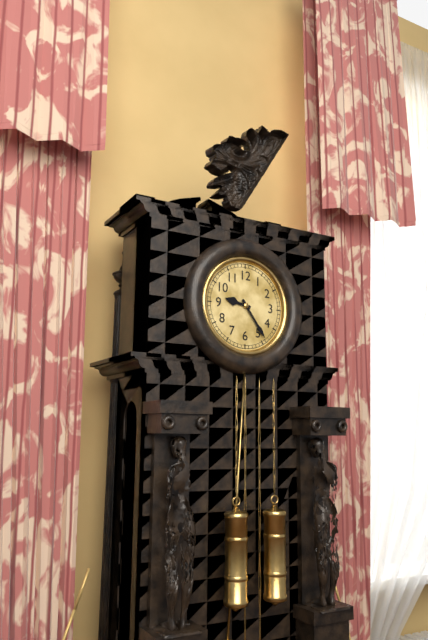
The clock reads 9,24
